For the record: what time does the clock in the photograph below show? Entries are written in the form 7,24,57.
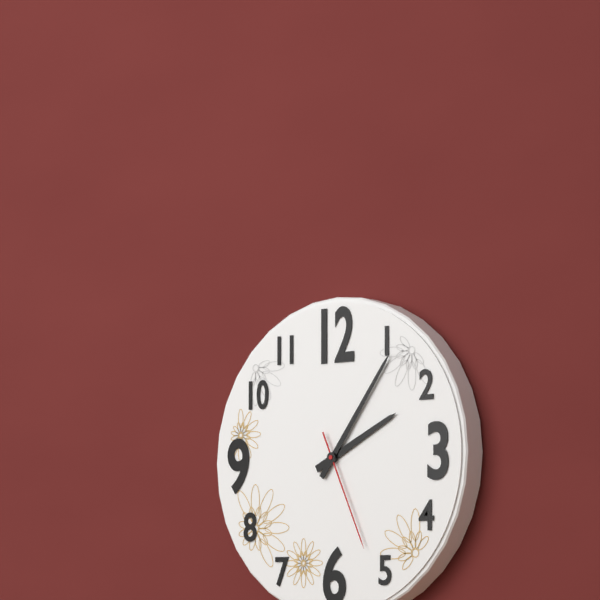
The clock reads 2,06,26
